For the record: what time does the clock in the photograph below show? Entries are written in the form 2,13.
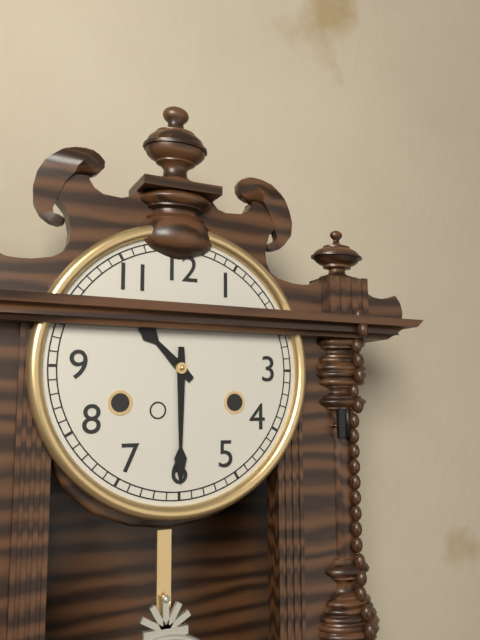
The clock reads 10,30
